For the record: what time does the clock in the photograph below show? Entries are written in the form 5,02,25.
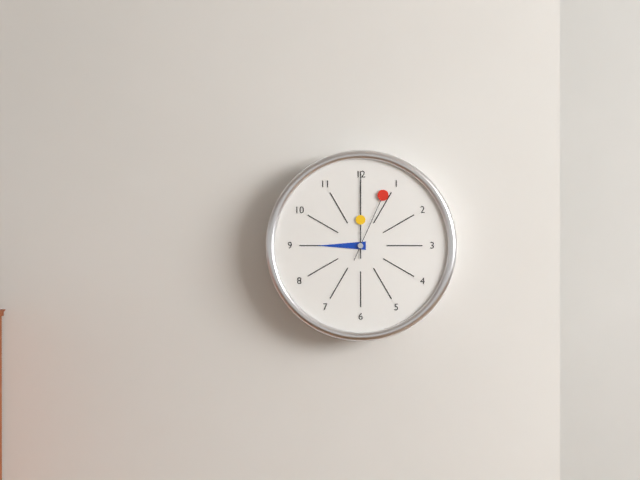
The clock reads 9,00,04
